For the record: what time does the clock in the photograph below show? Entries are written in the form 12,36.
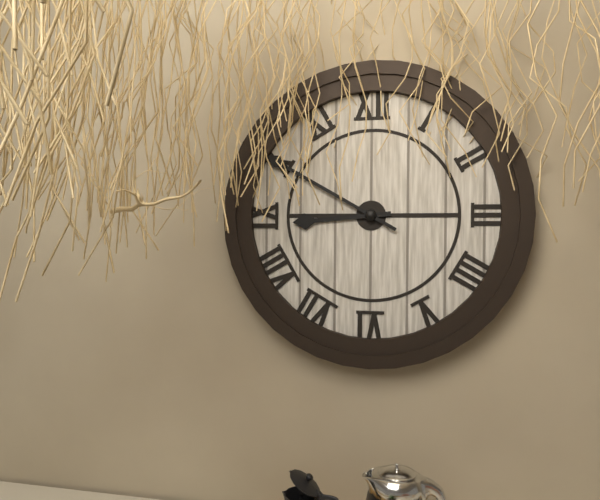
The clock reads 8,50
